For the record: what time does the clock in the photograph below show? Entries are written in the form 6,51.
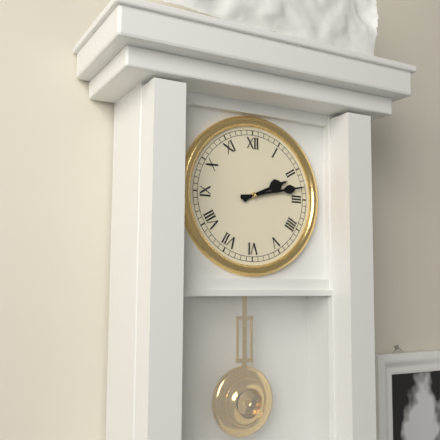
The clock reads 2,13
